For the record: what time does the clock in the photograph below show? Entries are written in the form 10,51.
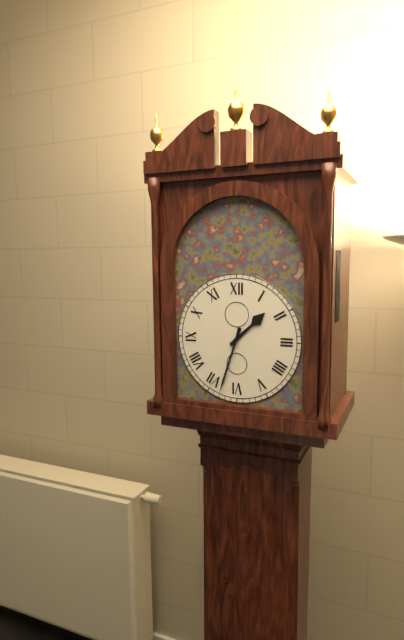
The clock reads 1,33
